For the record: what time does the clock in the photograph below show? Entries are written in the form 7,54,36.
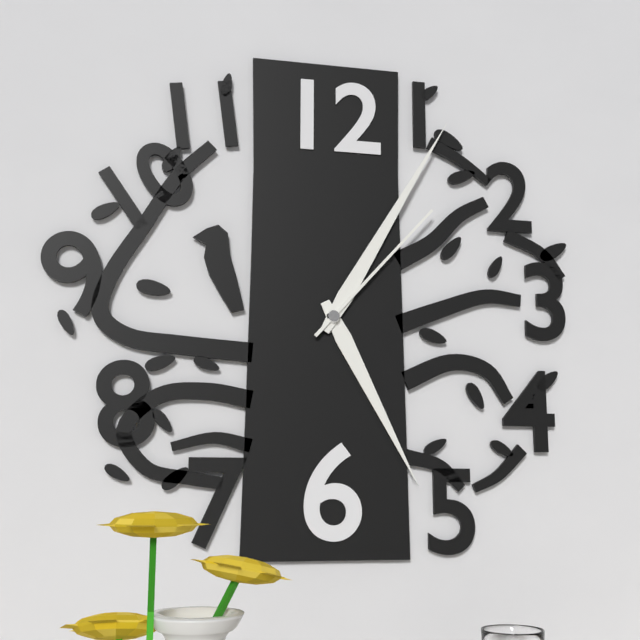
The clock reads 5,05,07
